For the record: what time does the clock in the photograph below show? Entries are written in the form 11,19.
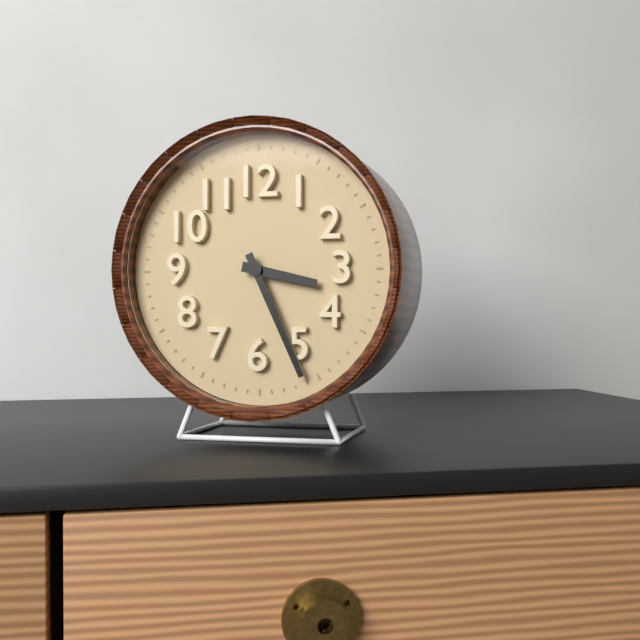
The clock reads 3,26
